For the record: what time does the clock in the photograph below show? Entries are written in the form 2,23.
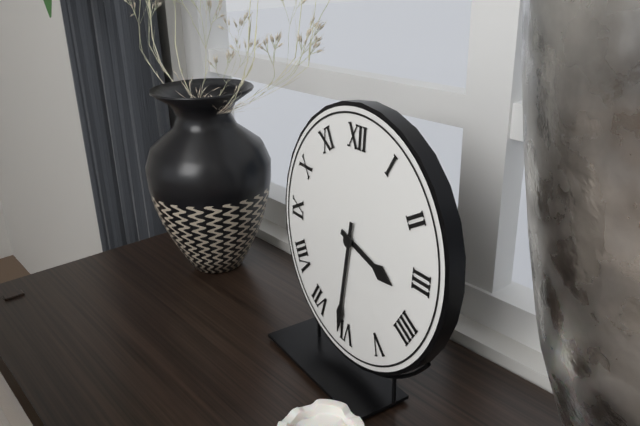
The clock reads 3,31
